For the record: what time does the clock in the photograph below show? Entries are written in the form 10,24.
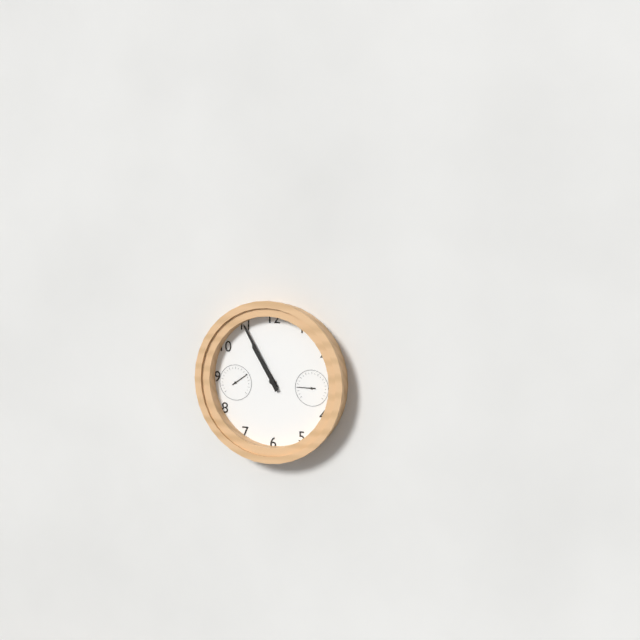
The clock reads 10,55
